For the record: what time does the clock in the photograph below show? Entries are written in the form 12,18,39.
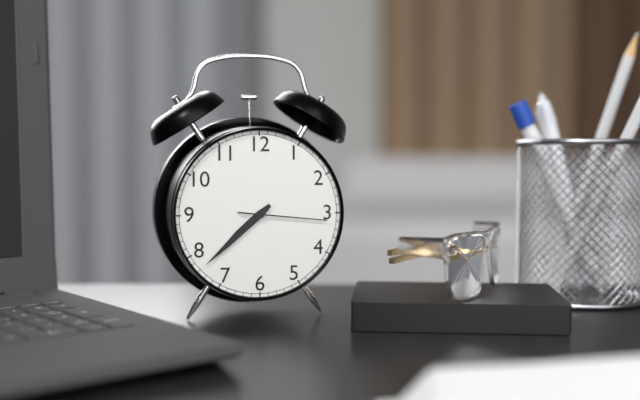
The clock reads 7,38,16
